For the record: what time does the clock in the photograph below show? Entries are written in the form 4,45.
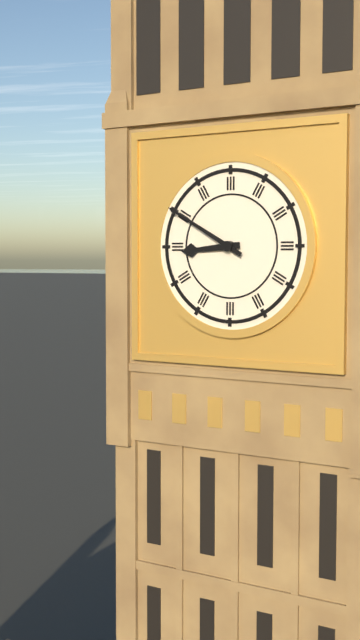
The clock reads 8,50
